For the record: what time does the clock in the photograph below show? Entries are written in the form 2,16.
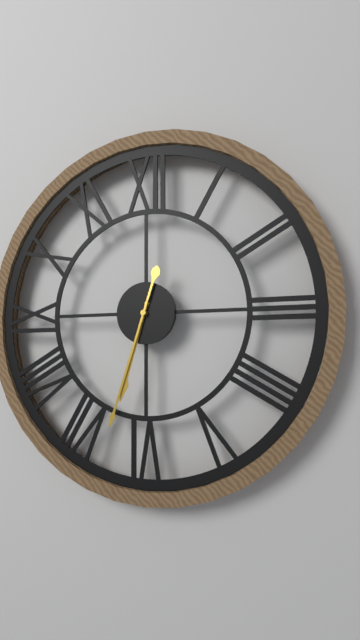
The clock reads 6,33
